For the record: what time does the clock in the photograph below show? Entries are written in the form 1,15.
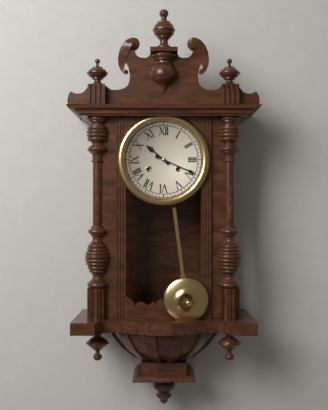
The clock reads 10,19
